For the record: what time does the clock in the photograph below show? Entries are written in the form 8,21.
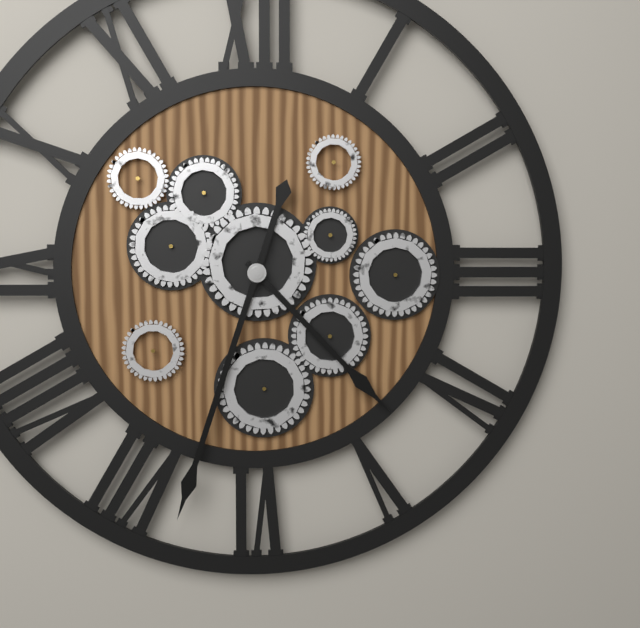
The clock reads 4,33
